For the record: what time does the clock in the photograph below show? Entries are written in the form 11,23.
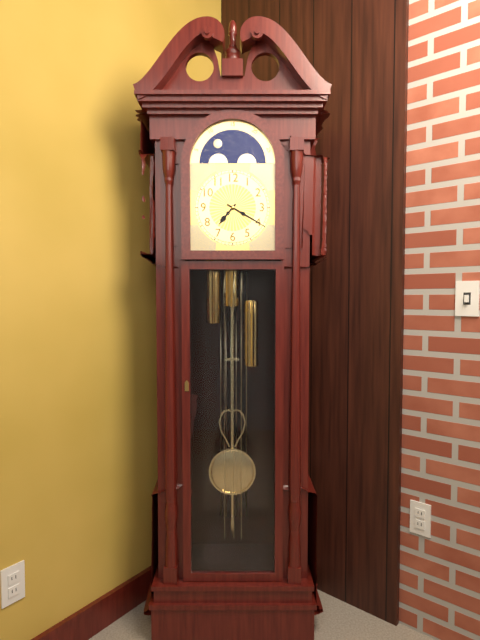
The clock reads 7,20
